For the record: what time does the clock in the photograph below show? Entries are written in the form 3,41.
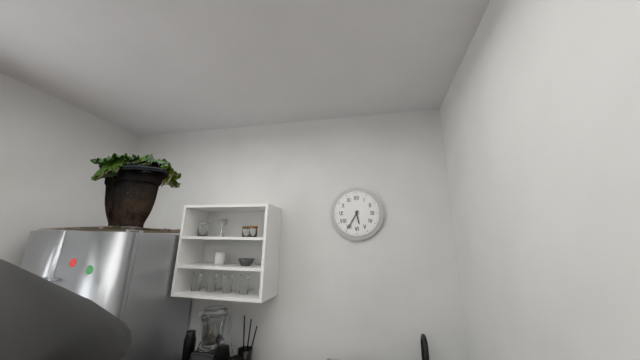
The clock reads 5,35
